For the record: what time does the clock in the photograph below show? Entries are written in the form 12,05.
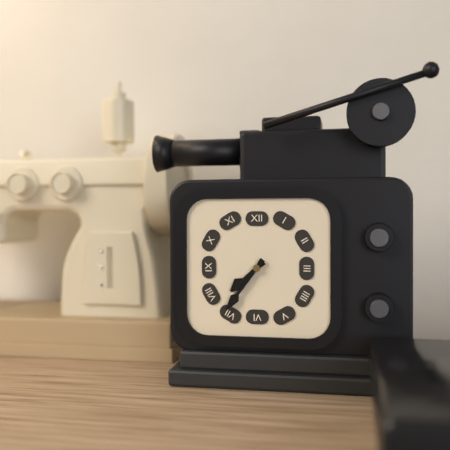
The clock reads 7,36
